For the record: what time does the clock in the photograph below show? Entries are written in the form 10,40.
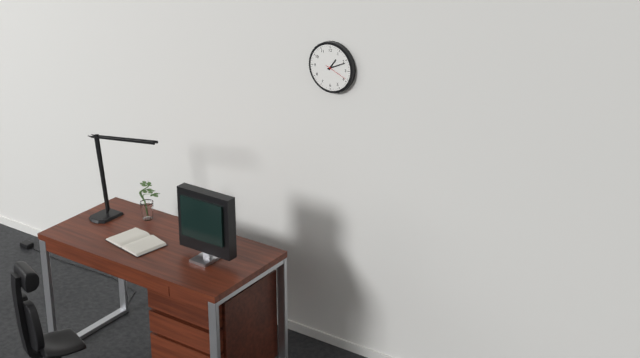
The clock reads 1,11
